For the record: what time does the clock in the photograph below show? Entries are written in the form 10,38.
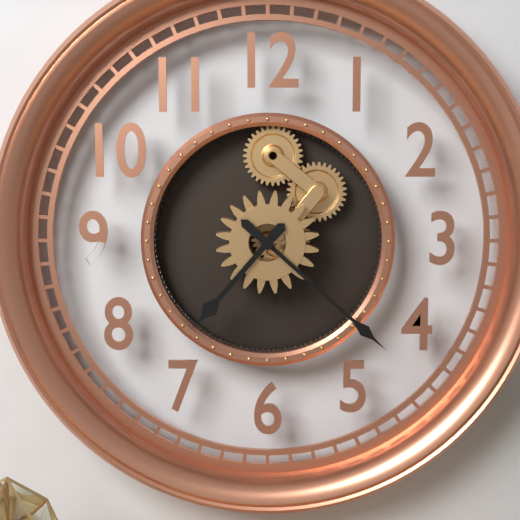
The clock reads 7,22
